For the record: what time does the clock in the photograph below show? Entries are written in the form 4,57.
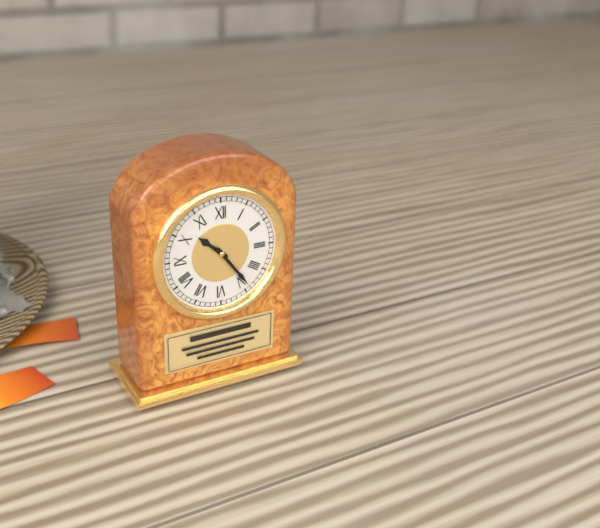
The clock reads 10,24
